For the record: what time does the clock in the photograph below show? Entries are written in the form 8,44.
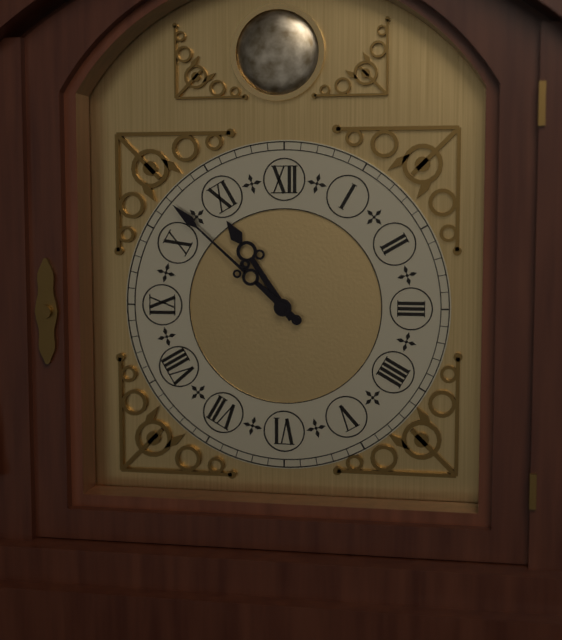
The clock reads 10,52
